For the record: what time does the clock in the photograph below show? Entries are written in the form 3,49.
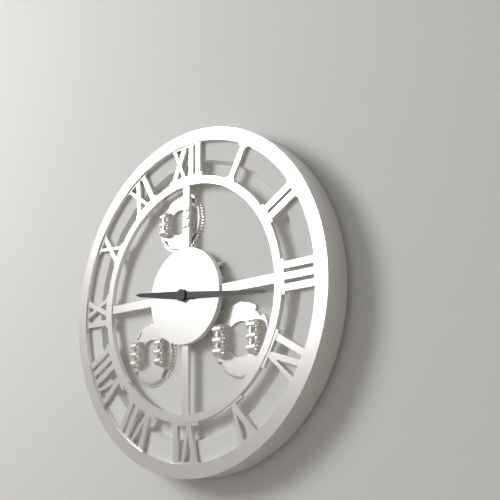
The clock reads 9,16
